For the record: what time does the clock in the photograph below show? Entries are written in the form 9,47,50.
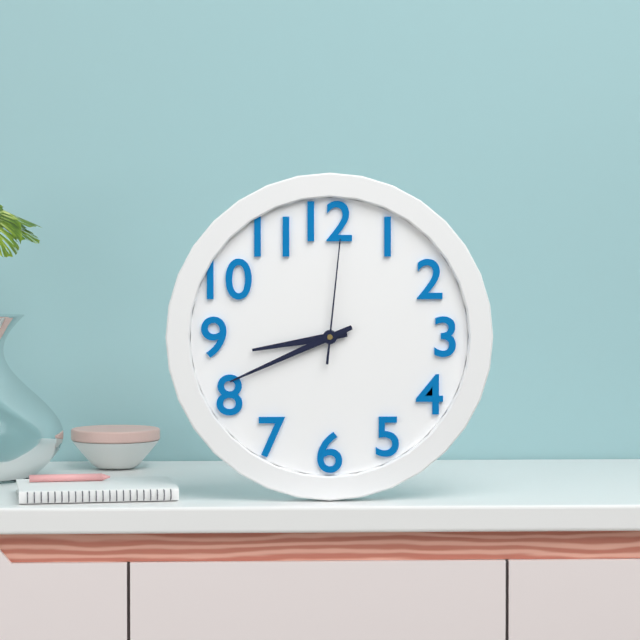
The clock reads 8,41,01
